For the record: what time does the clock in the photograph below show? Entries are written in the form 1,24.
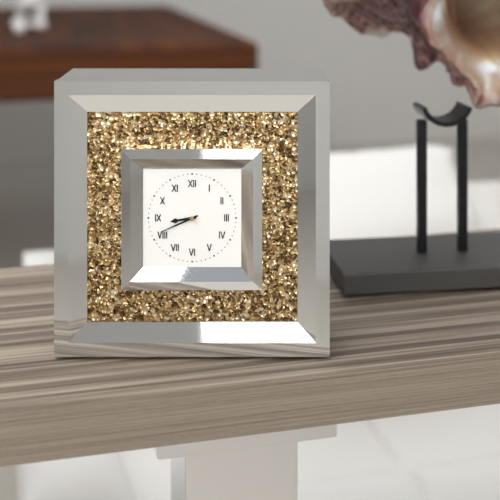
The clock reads 8,41
